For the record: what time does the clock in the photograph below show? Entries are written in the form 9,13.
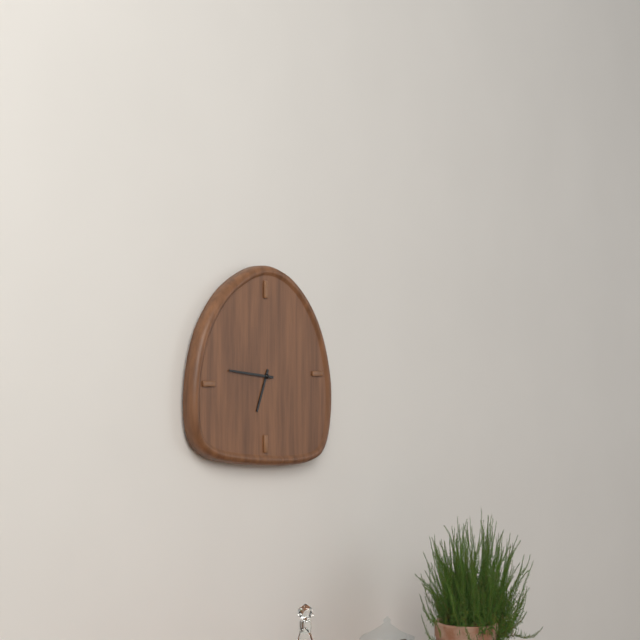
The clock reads 6,46
